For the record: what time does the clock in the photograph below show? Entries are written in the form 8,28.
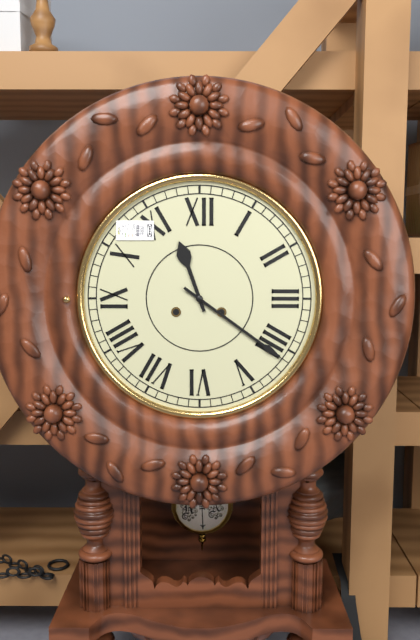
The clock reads 11,21
